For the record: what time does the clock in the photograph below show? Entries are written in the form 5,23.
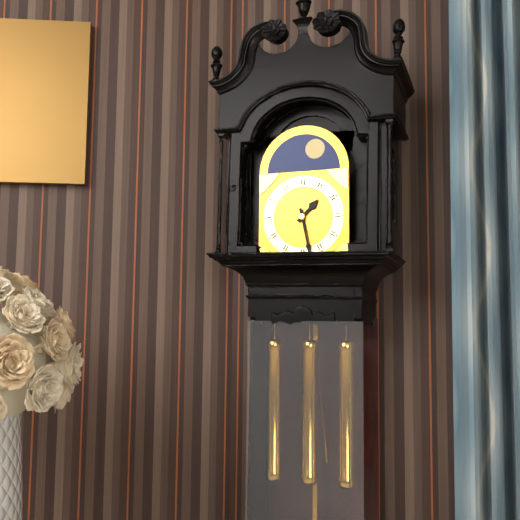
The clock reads 1,28
